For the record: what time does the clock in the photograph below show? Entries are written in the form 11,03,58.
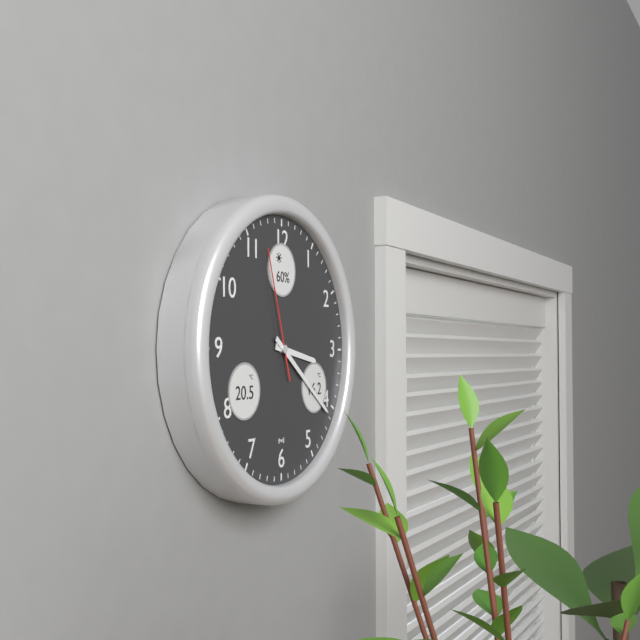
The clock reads 3,21,57
